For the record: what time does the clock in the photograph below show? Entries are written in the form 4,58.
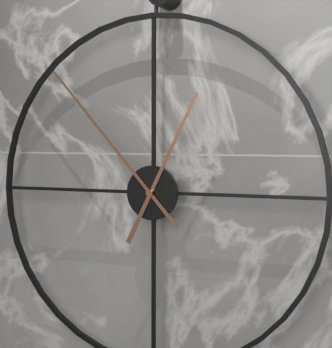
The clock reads 12,53
